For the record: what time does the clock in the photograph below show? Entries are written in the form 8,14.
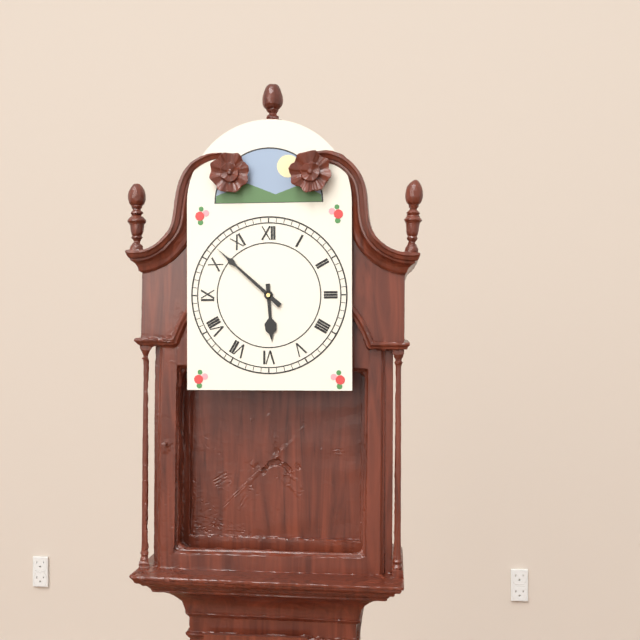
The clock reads 5,52
